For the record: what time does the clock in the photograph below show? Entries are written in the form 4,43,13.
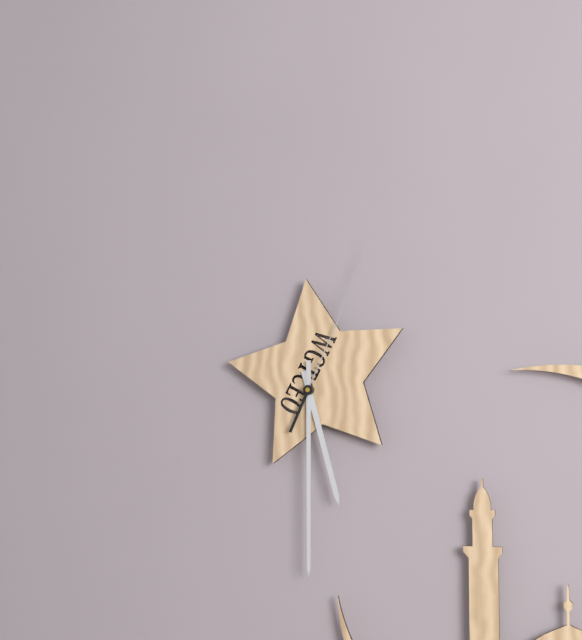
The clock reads 5,30,04
